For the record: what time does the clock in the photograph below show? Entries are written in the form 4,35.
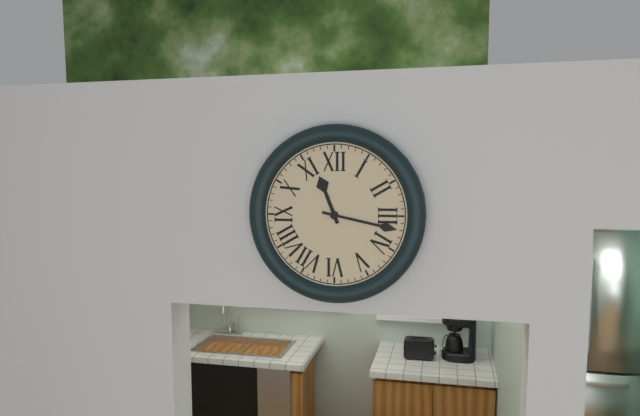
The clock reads 11,17
